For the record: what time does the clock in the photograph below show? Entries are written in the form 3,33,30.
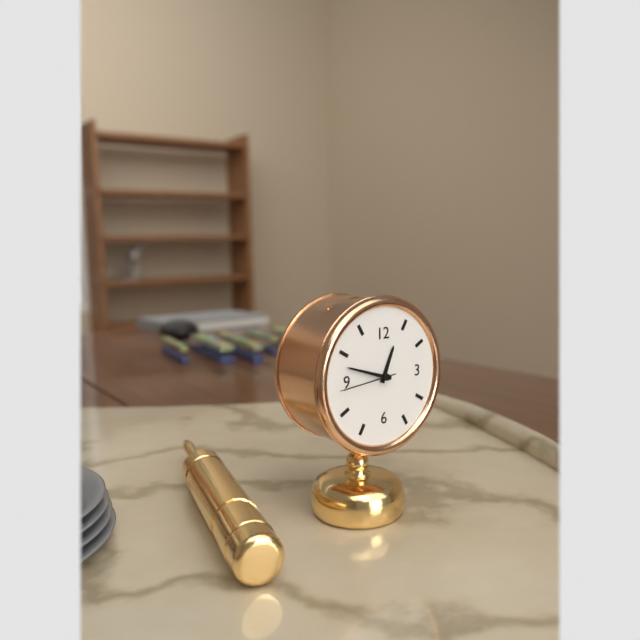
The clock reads 12,48,44
